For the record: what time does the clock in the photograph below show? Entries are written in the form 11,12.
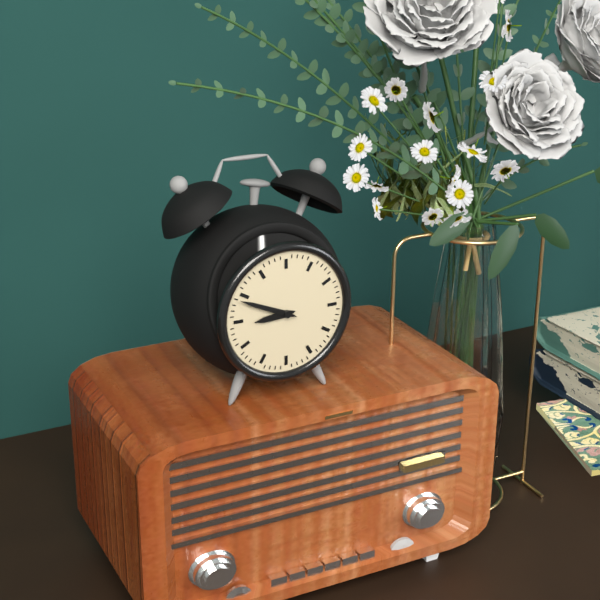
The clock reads 8,49
